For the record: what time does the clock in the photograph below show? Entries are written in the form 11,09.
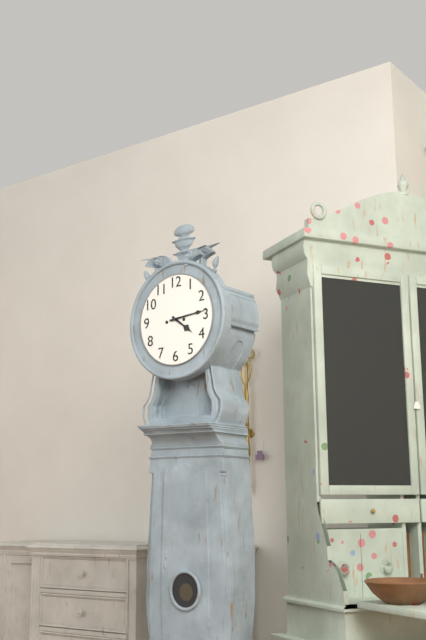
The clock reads 4,14
